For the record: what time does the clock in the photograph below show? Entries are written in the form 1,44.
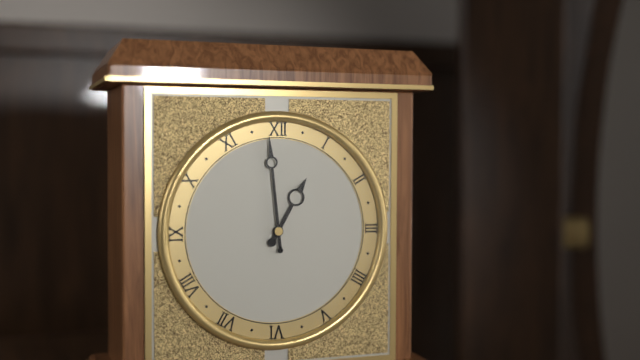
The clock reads 12,59
